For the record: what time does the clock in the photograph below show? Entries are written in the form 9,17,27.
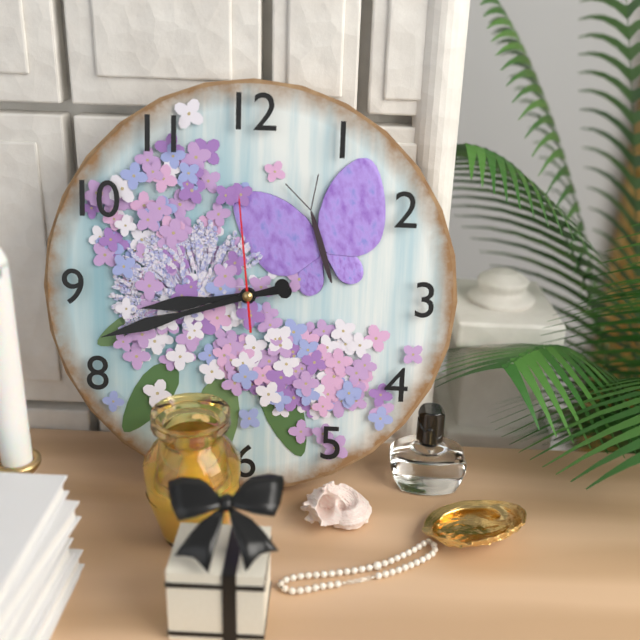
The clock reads 8,42,59
